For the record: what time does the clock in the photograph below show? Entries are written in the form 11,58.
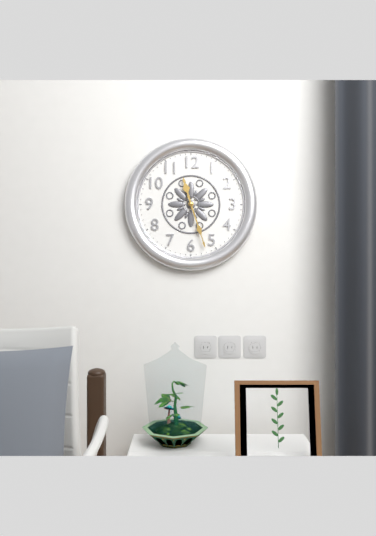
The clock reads 11,27
